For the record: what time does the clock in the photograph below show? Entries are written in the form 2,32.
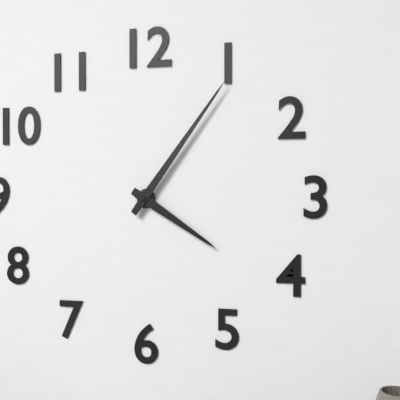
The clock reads 4,06
